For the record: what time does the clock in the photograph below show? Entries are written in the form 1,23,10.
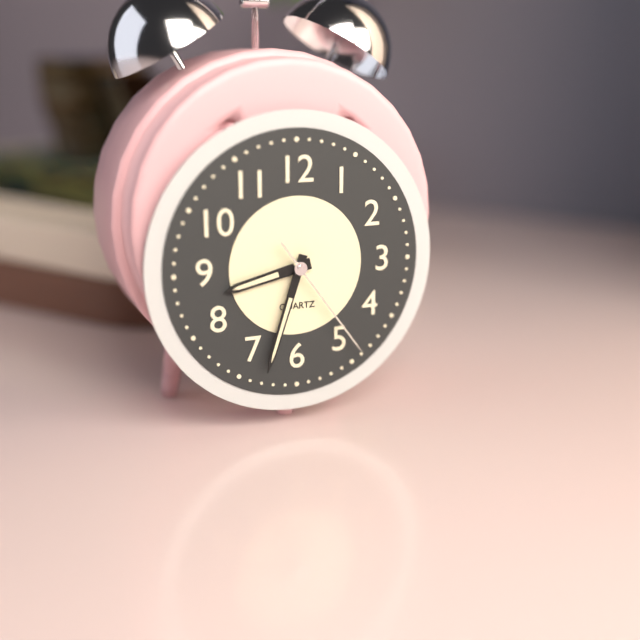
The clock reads 8,33,24
